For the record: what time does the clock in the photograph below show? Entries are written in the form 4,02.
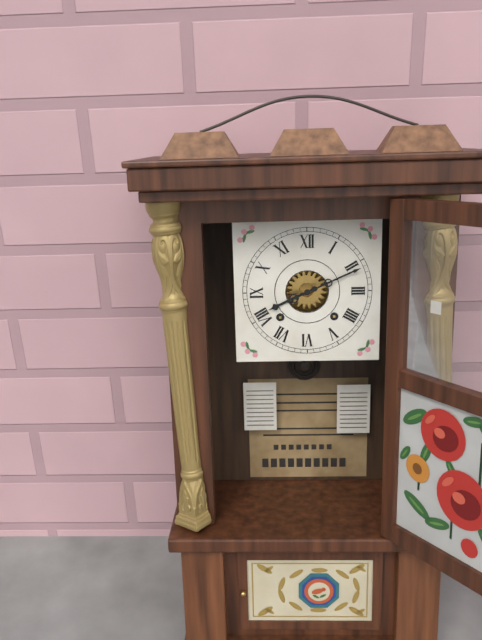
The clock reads 8,11
